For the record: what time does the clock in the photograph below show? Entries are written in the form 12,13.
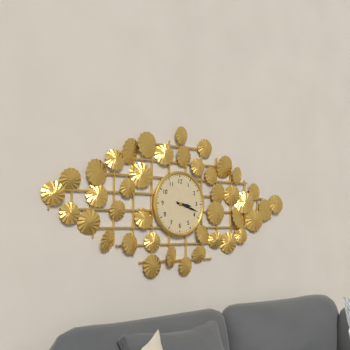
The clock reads 3,18
